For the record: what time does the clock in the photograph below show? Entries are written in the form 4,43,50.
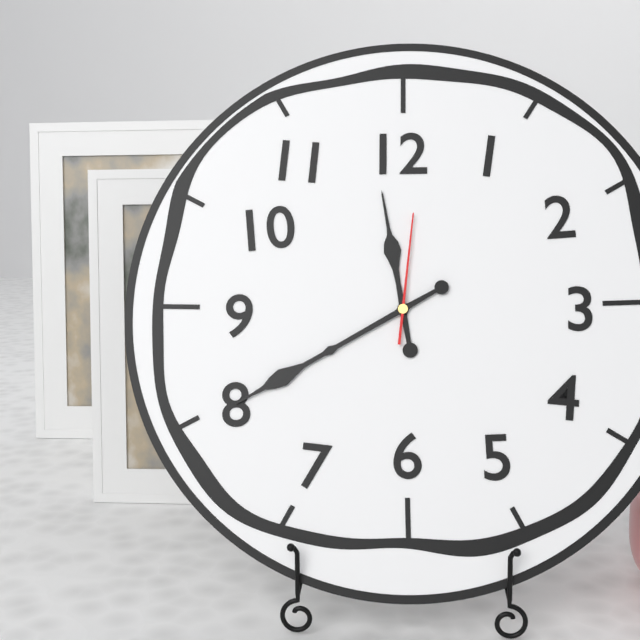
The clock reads 11,40,01
